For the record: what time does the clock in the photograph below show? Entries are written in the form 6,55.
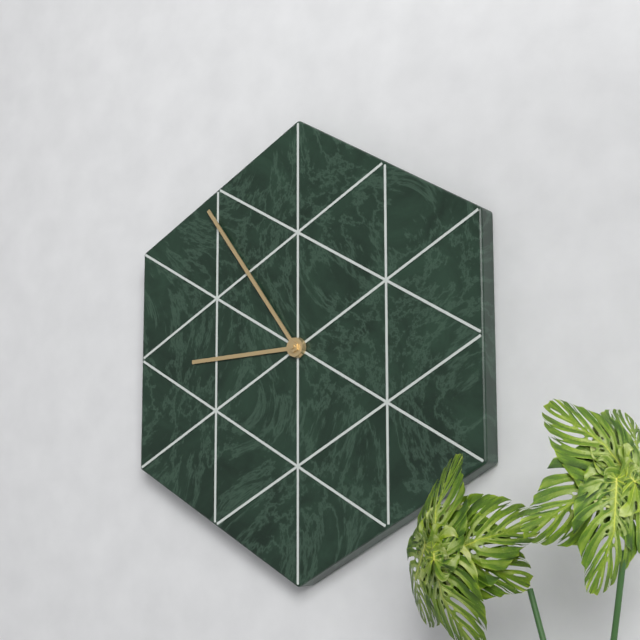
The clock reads 8,54
